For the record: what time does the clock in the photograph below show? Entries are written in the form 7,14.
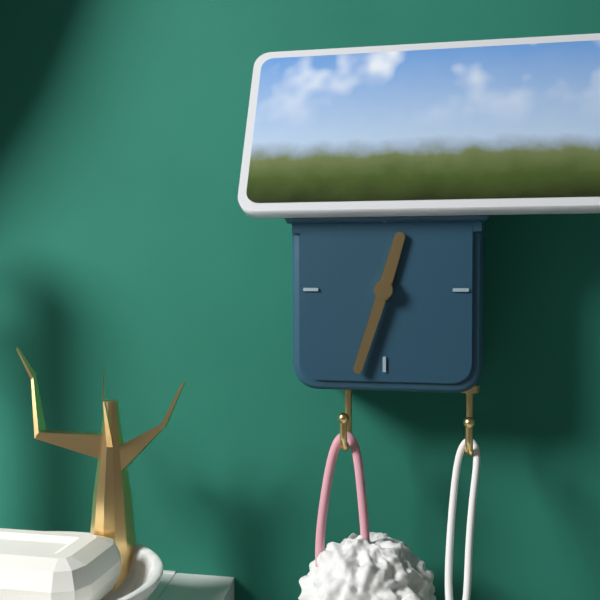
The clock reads 12,33
